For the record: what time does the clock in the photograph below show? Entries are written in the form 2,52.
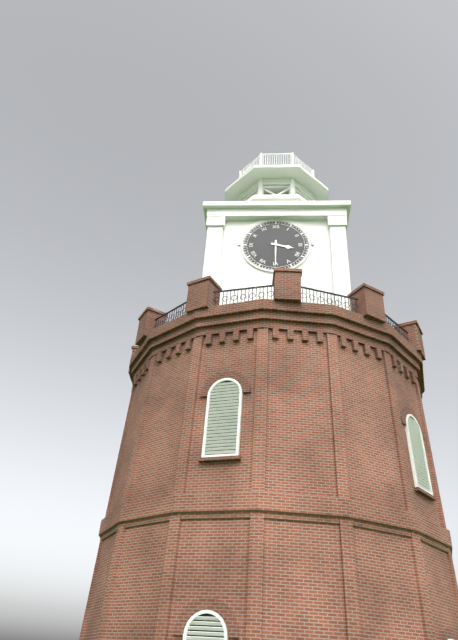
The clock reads 3,30
